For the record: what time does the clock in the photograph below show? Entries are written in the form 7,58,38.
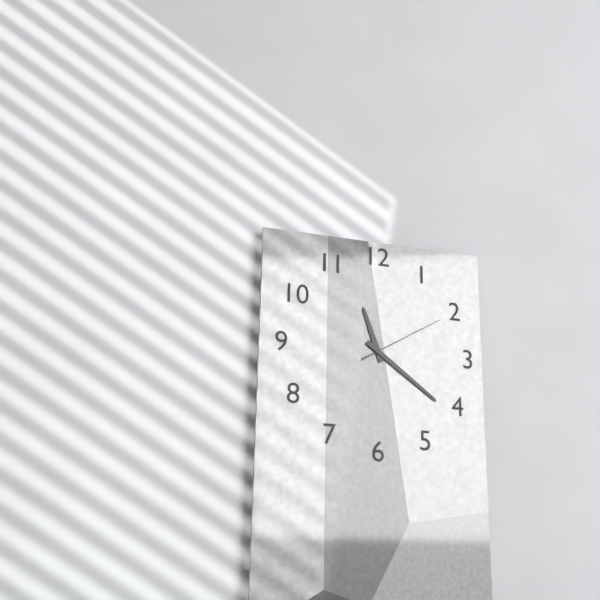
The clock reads 11,21,10
